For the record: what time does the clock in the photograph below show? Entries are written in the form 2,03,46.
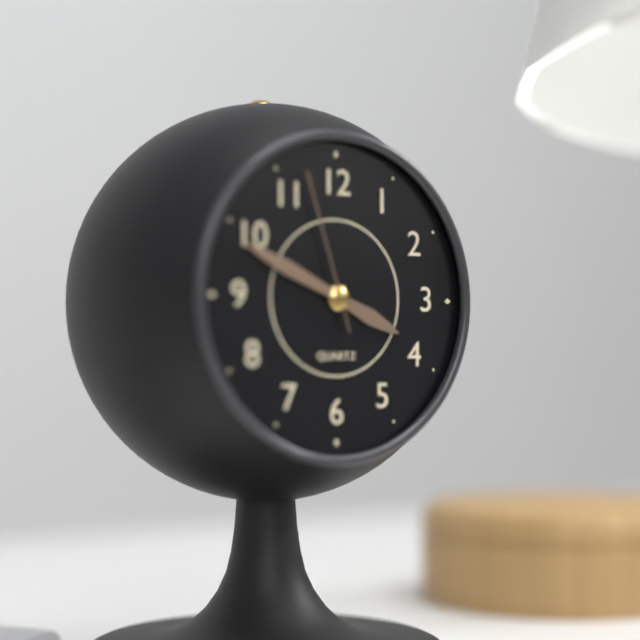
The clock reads 3,49,57
